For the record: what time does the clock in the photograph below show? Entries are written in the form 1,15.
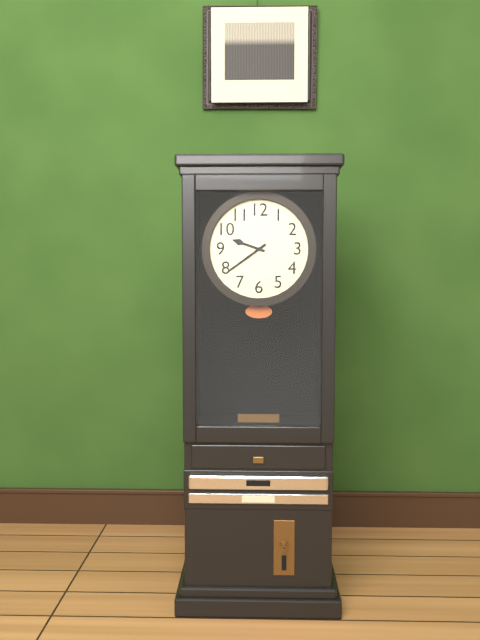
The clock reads 9,39
